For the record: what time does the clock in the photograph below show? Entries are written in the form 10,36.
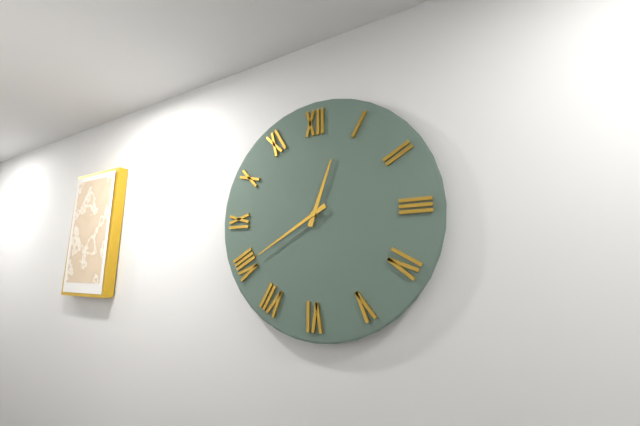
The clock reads 12,40
